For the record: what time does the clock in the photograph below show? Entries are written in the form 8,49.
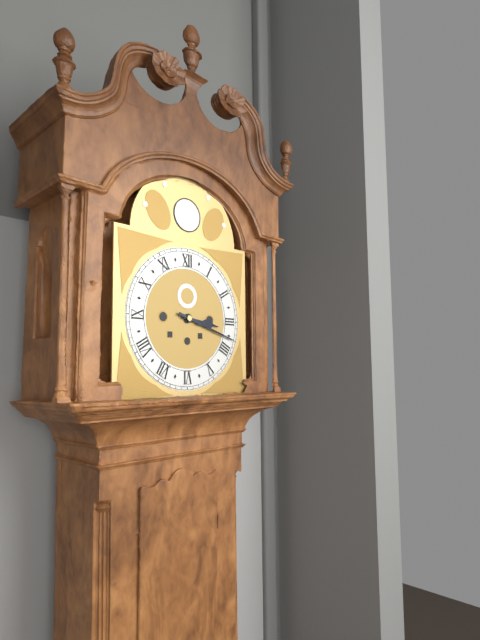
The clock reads 3,18
